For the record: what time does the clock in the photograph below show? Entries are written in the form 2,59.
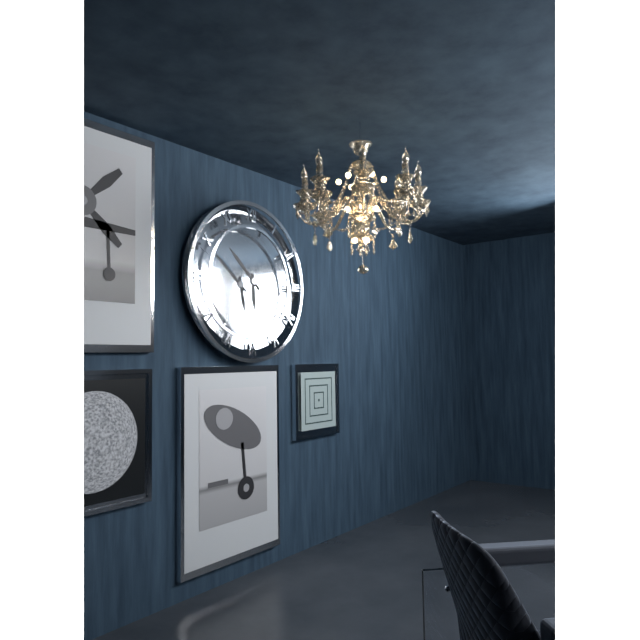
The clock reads 5,52
